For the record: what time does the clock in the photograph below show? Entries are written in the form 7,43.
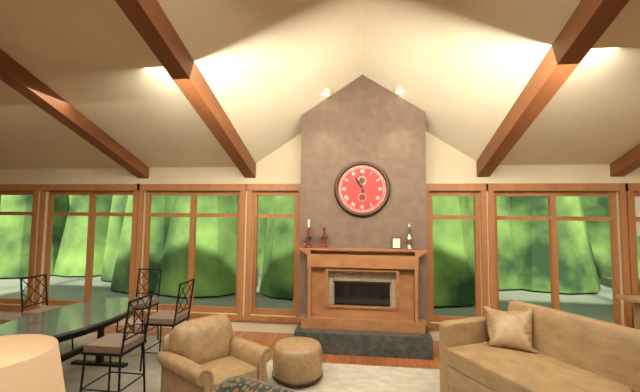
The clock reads 10,59
